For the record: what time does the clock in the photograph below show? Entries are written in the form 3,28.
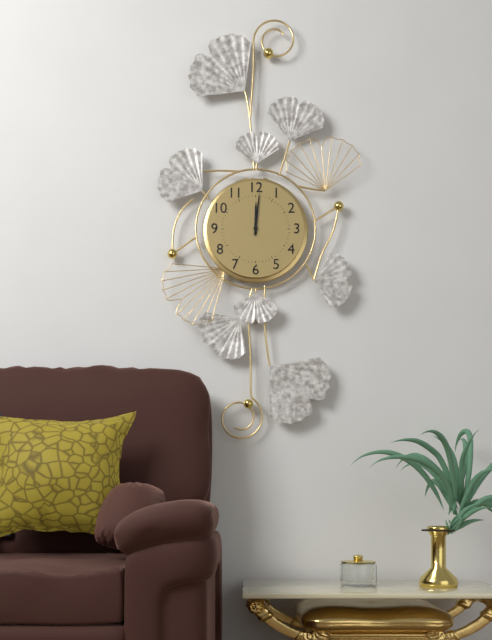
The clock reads 12,01
